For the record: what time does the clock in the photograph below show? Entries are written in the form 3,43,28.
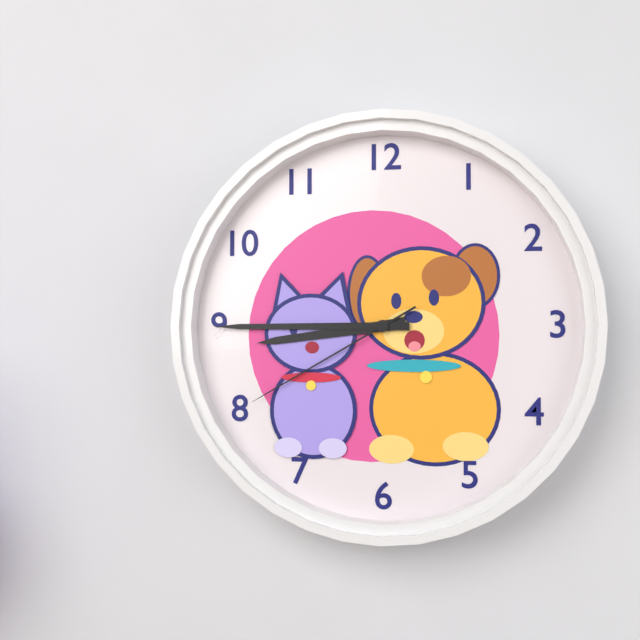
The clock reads 8,45,40
